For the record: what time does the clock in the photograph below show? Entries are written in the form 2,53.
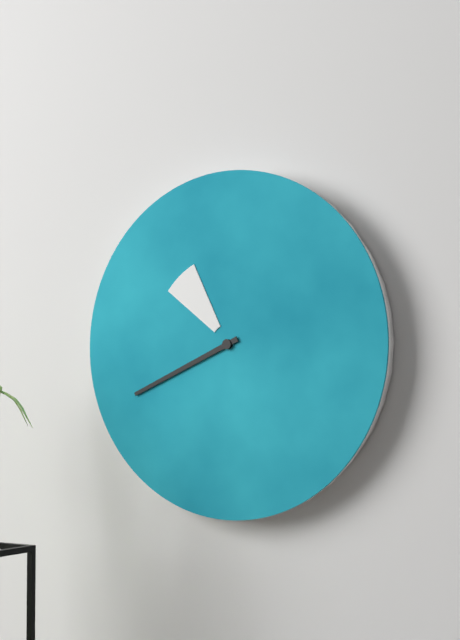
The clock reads 10,41
